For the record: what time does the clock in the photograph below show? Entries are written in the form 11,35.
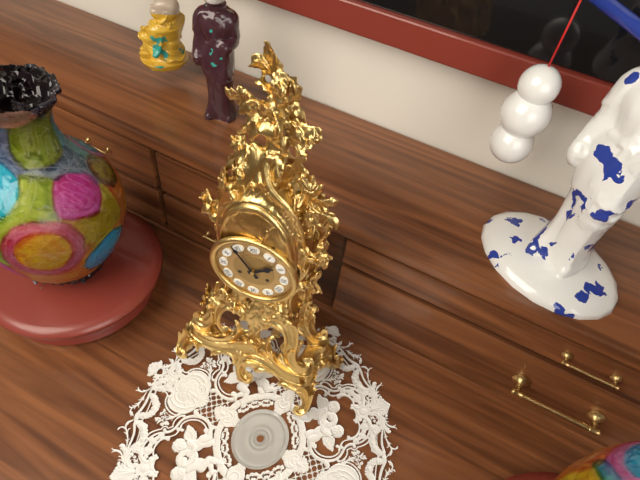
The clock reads 1,54
